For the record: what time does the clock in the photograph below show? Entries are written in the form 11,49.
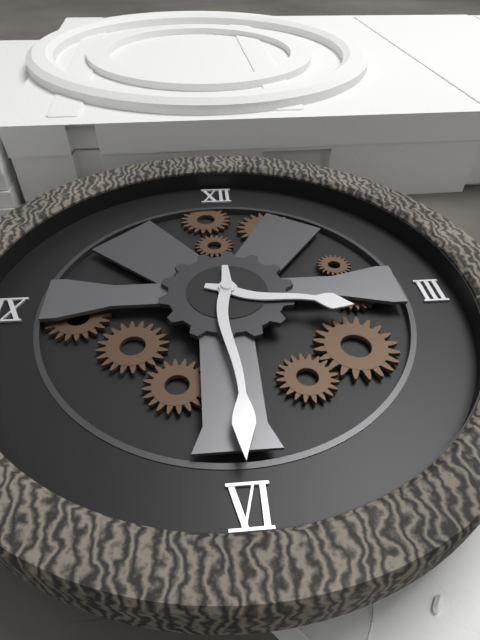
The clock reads 3,30
